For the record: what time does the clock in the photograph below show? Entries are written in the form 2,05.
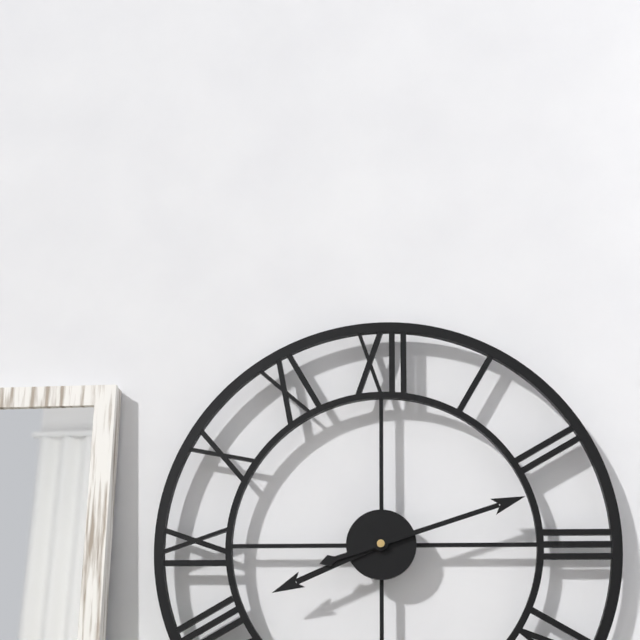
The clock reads 8,12
